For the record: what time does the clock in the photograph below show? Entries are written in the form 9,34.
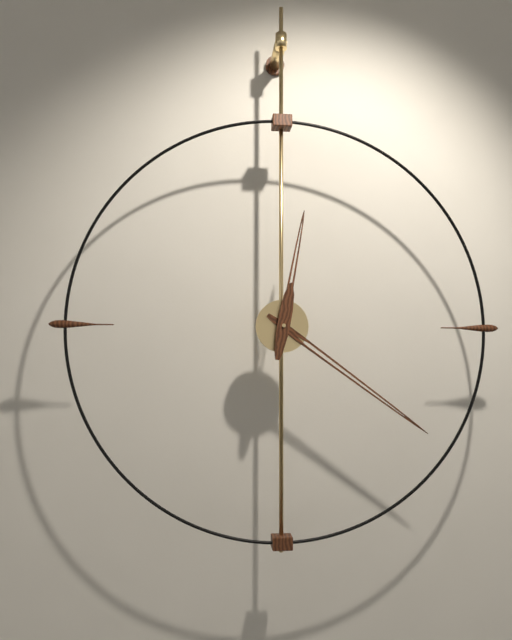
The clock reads 12,21
